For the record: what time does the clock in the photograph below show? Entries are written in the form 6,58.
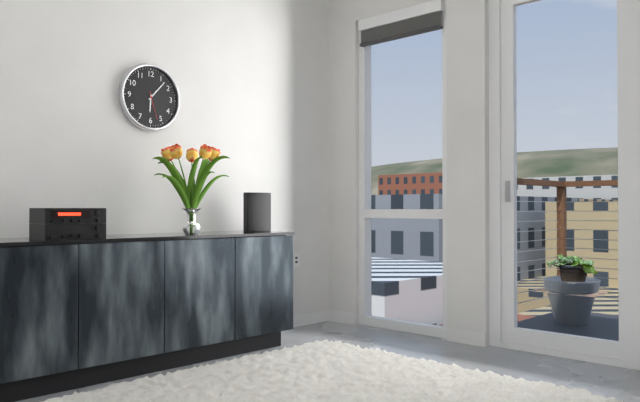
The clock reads 6,07
